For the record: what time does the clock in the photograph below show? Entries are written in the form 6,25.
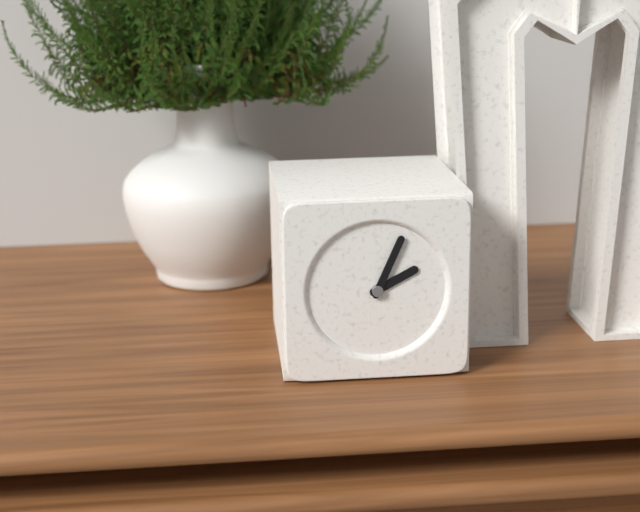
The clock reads 2,04
